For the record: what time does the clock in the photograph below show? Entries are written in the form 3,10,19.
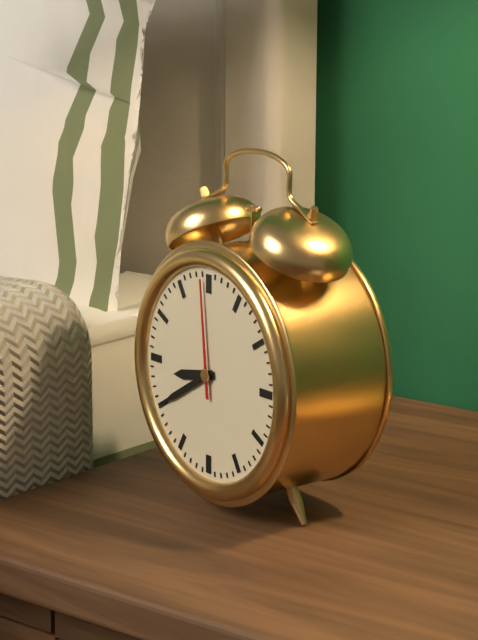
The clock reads 8,40,59
